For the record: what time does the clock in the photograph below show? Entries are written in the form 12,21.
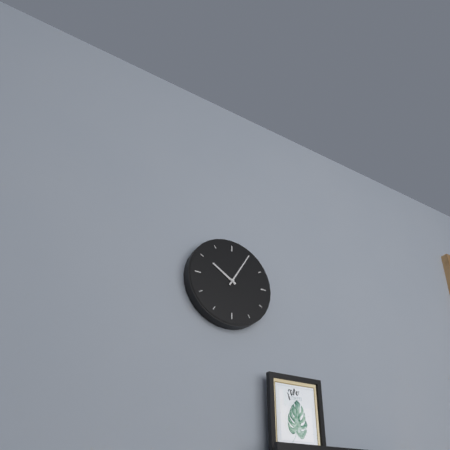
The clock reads 10,05
